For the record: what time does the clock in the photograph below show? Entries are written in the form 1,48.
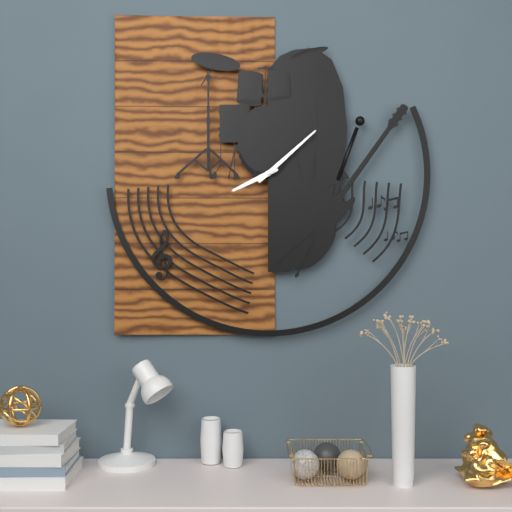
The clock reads 8,08
